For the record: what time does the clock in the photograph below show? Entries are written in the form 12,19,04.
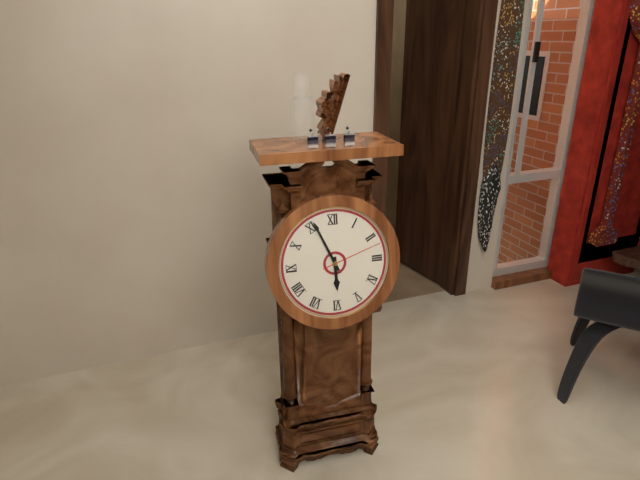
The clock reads 5,56,12
